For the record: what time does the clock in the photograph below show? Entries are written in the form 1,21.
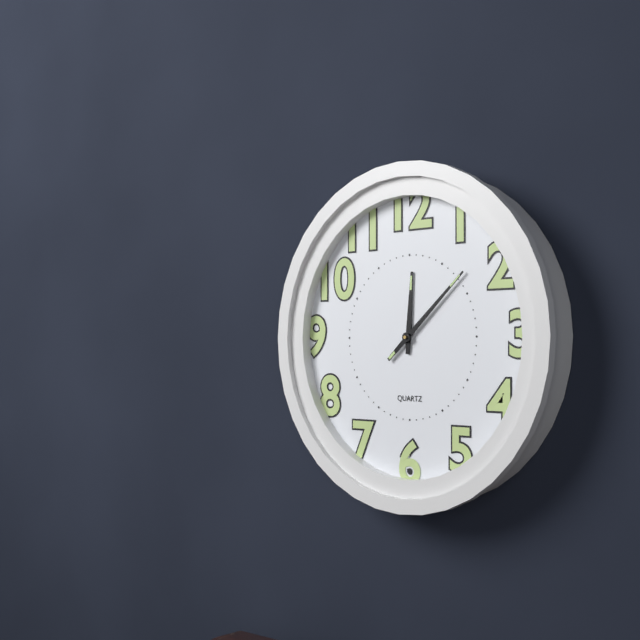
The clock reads 12,08
